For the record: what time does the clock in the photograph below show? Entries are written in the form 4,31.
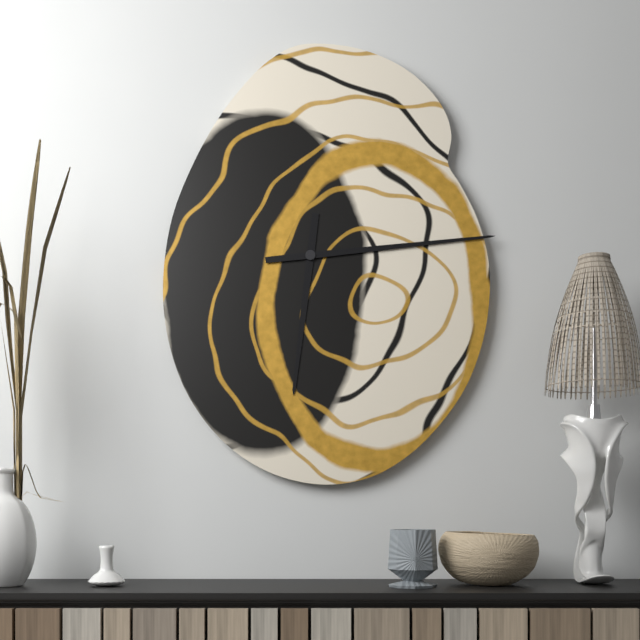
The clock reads 6,14
